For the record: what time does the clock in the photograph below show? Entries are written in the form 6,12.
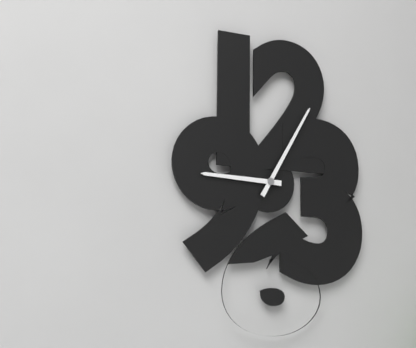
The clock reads 9,05
